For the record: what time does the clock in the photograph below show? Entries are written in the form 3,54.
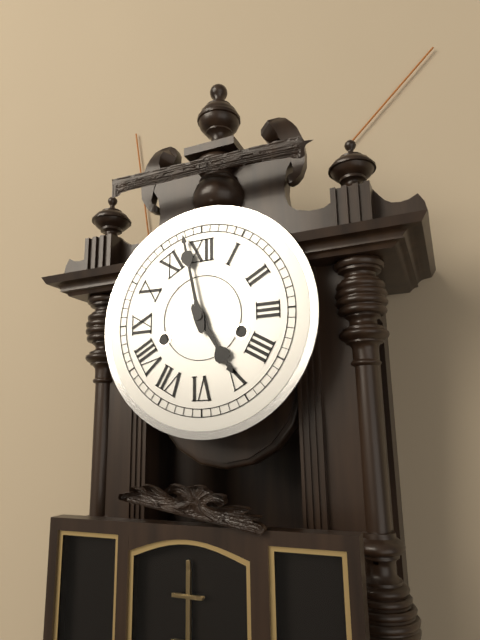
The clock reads 4,58
